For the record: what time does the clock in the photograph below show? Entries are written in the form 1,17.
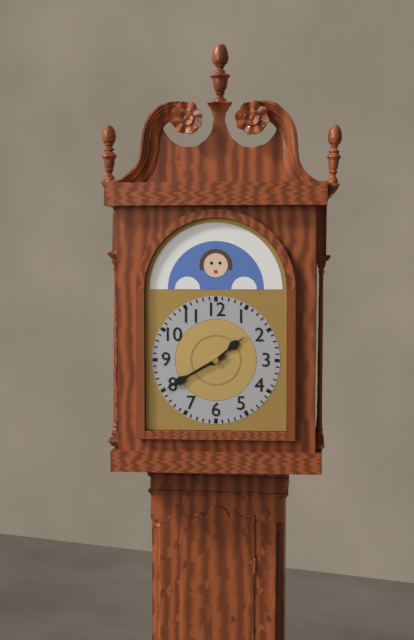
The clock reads 1,40
